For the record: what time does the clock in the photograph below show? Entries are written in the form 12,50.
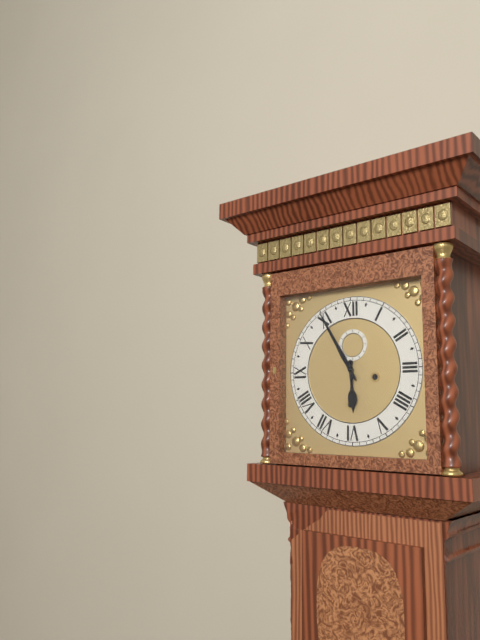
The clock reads 5,55
